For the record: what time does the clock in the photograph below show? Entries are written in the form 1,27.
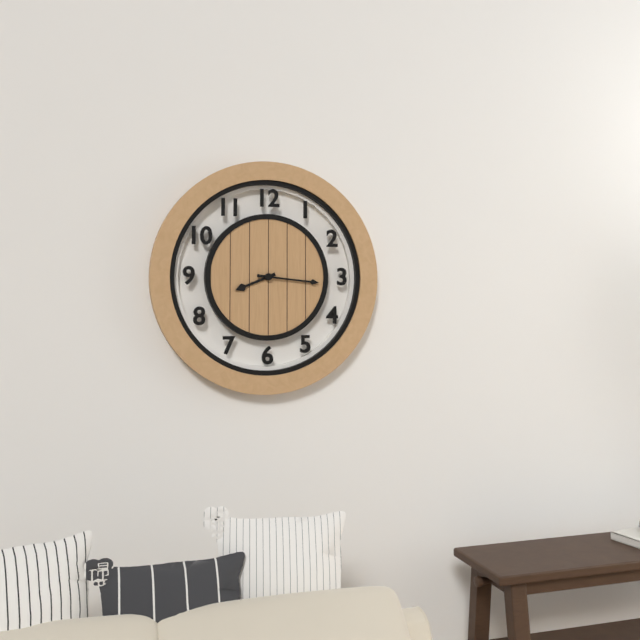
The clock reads 8,16
